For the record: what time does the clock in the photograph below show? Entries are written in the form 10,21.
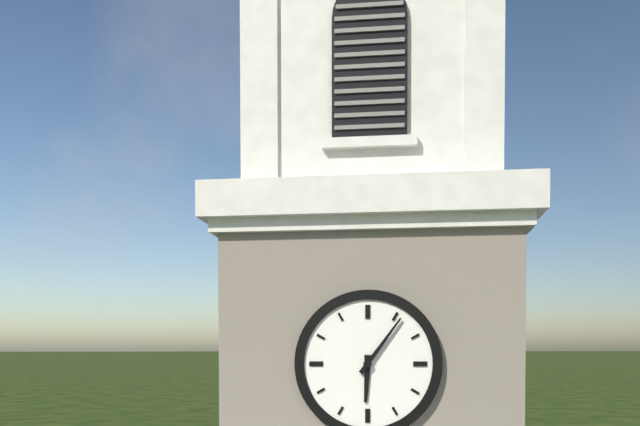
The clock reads 6,06
